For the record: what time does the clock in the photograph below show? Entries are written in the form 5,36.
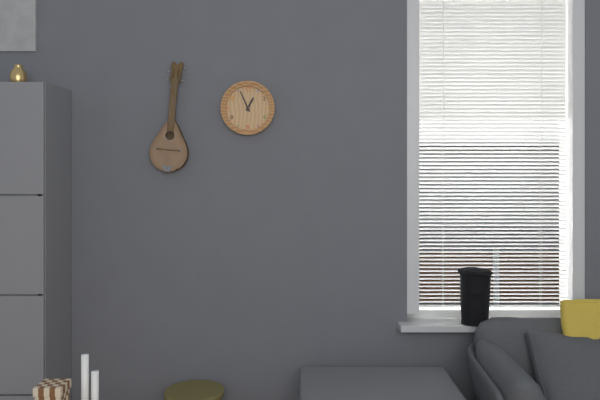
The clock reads 12,56
